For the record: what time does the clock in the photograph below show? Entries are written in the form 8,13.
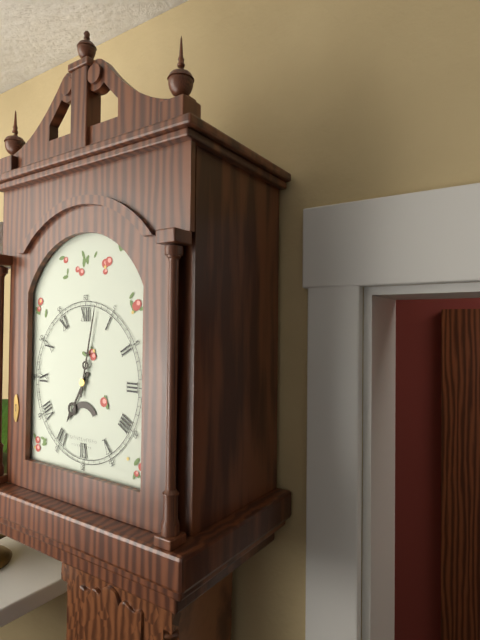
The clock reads 7,02
